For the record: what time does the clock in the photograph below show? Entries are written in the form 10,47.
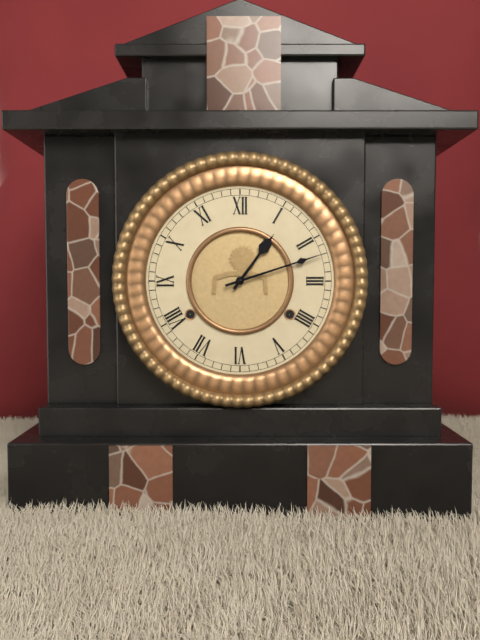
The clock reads 1,12
